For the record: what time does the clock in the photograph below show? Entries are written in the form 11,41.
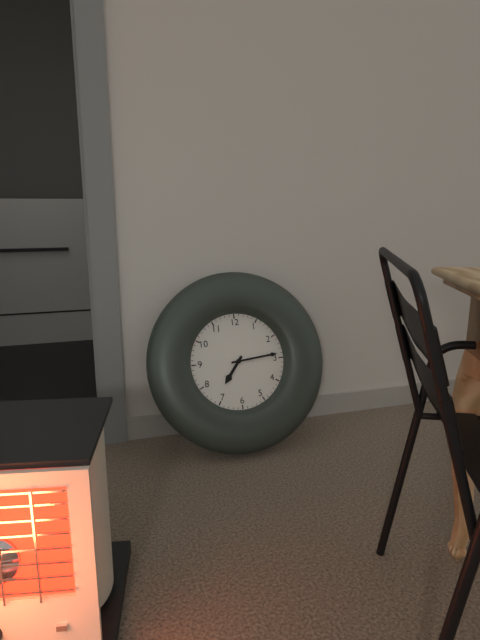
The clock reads 7,14
